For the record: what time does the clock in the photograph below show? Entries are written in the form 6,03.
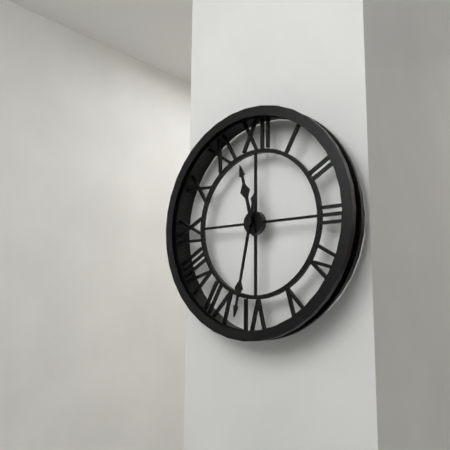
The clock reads 11,32
